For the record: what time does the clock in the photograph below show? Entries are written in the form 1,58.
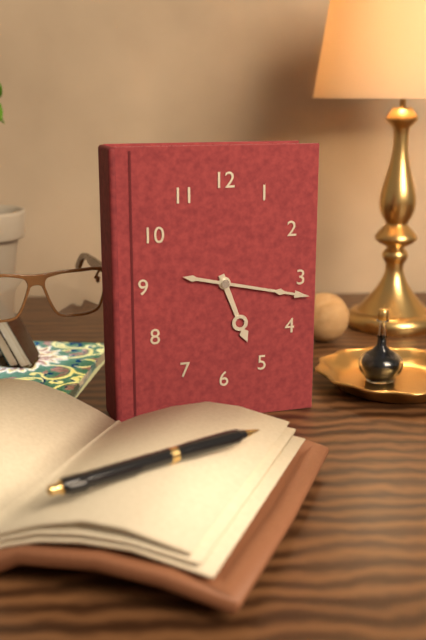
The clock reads 5,17
